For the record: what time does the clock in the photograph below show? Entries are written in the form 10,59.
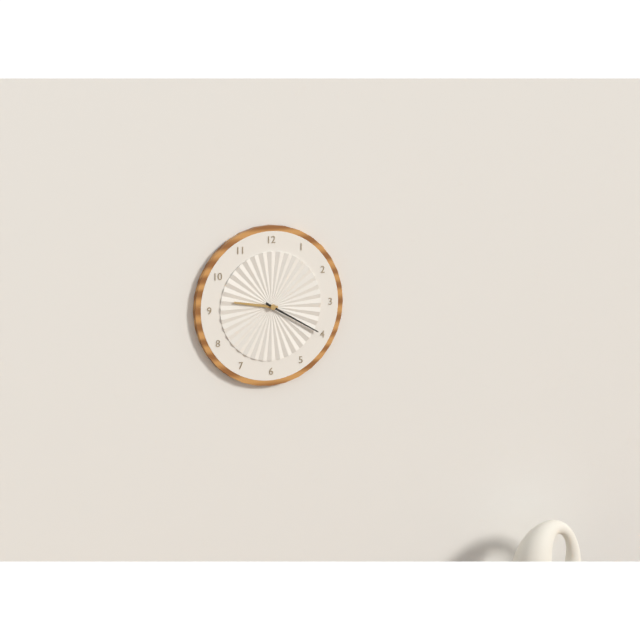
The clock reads 9,20
